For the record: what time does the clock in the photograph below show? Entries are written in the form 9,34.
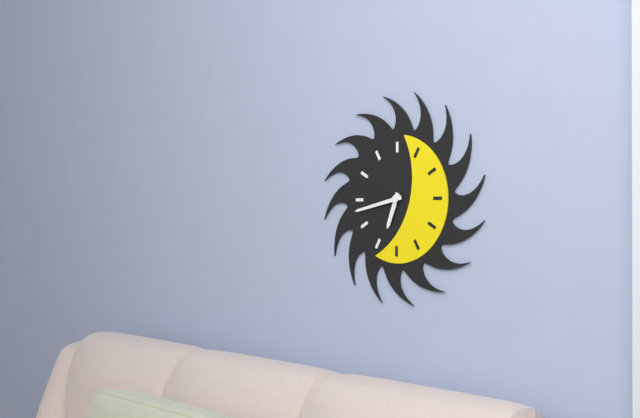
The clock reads 6,43
